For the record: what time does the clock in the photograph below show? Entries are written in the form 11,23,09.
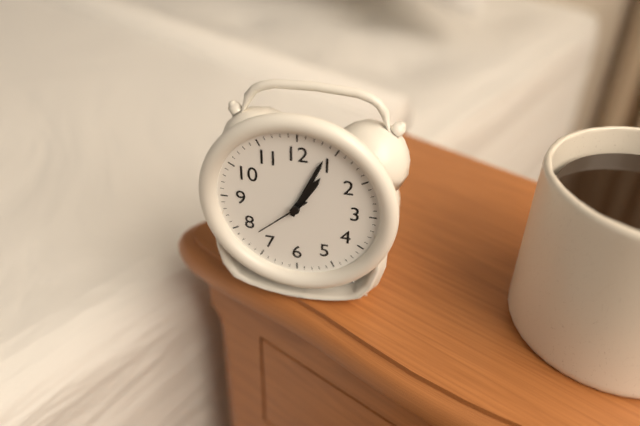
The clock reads 1,04,38
